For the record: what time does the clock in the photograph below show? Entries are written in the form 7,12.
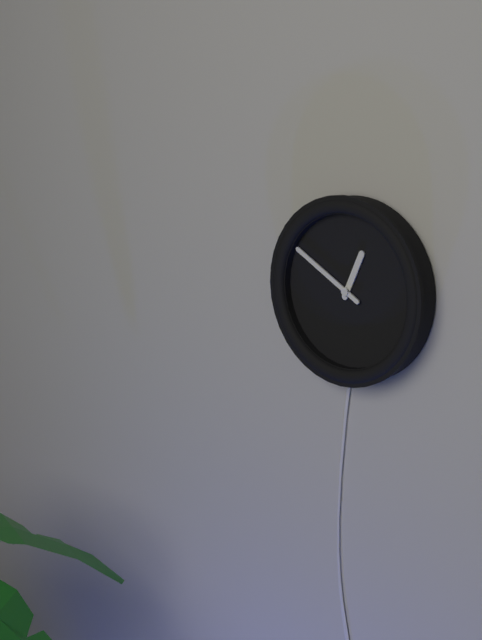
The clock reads 12,50
